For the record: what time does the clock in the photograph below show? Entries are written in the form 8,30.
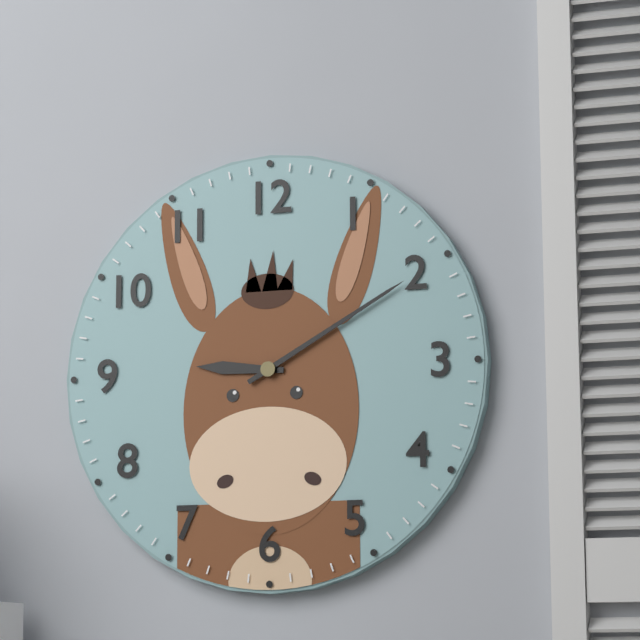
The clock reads 9,10
